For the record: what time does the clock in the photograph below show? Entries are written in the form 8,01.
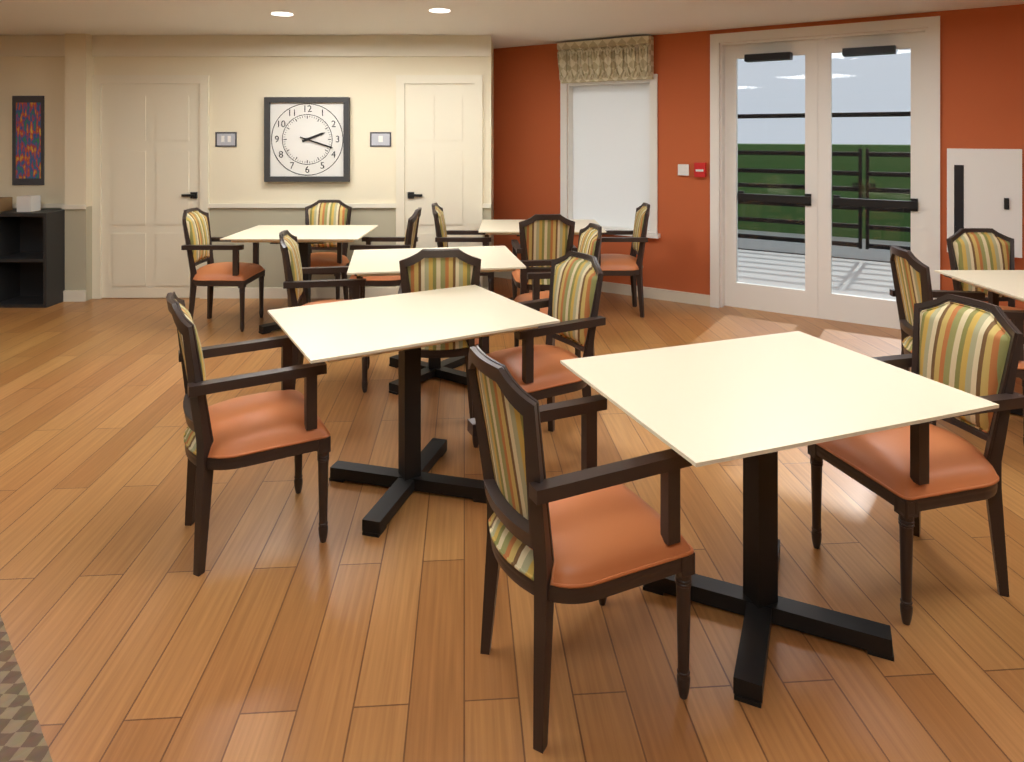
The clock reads 2,18
